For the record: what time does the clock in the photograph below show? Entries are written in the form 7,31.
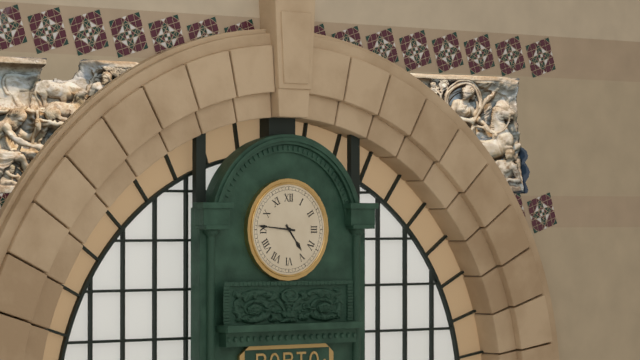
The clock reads 4,46
